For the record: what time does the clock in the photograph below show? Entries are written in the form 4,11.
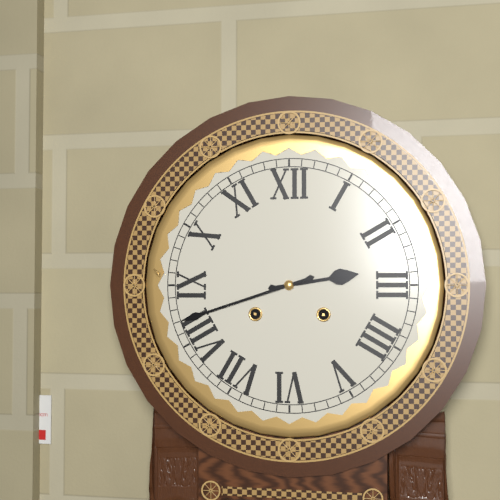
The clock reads 2,42
